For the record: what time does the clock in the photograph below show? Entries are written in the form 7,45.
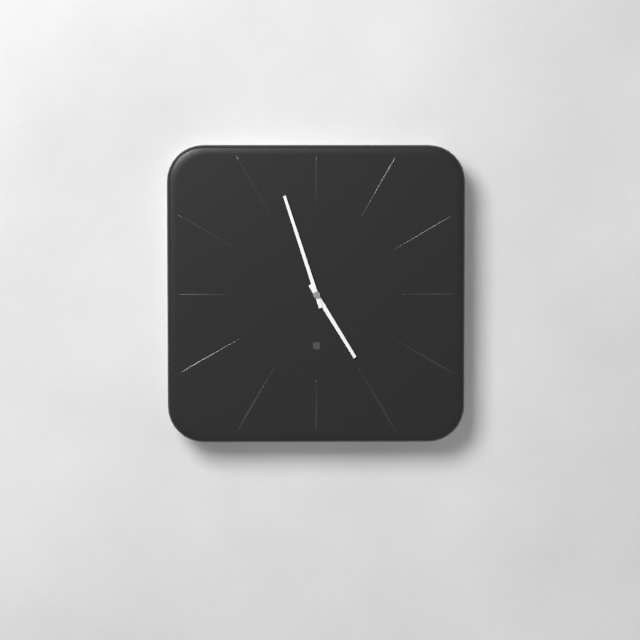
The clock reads 4,57
